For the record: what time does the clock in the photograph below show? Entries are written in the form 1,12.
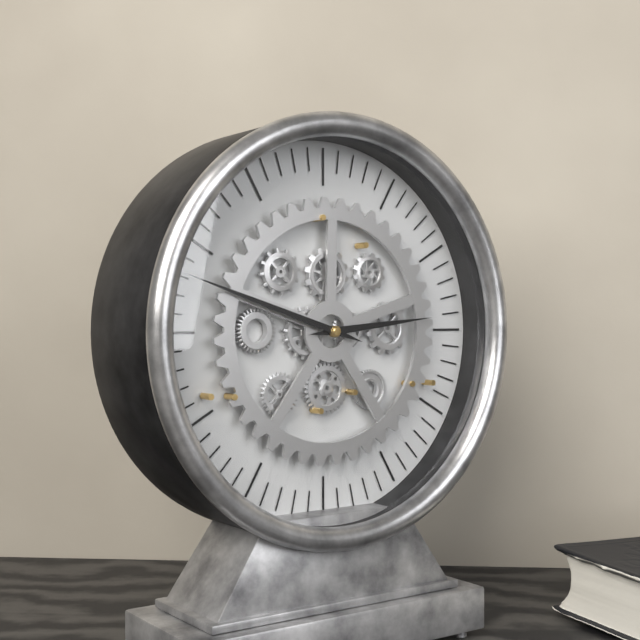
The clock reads 2,48
